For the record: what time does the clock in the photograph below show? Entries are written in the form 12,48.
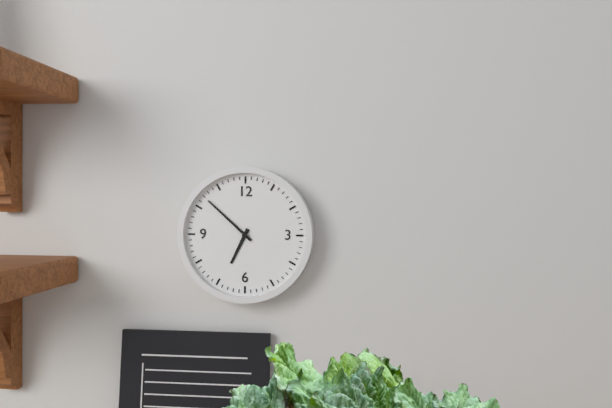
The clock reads 6,52
